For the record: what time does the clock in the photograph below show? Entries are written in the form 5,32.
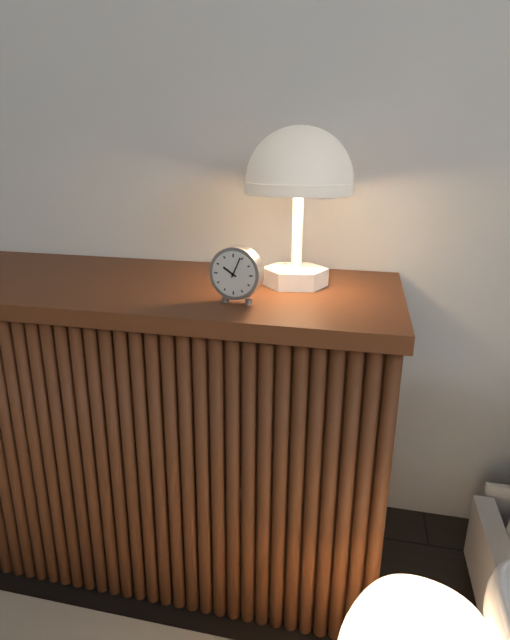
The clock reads 10,04
